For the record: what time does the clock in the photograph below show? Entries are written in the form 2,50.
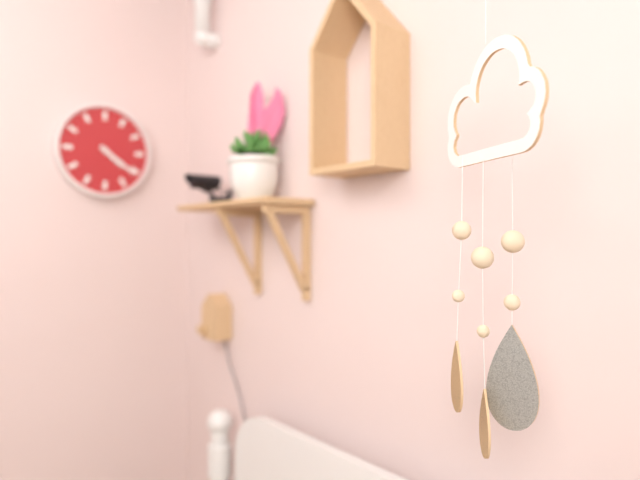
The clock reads 4,21
